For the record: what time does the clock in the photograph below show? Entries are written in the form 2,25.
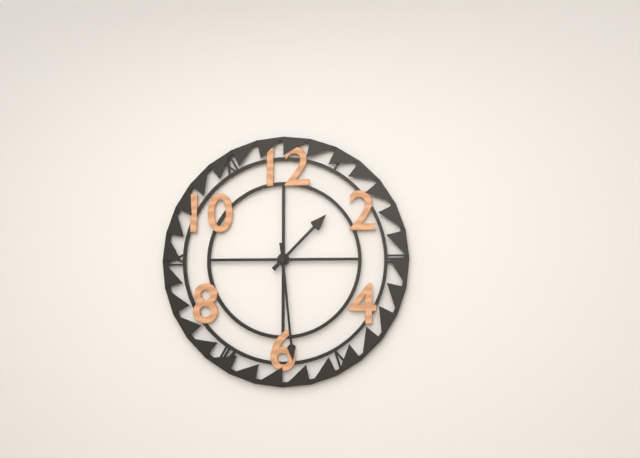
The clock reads 1,29
